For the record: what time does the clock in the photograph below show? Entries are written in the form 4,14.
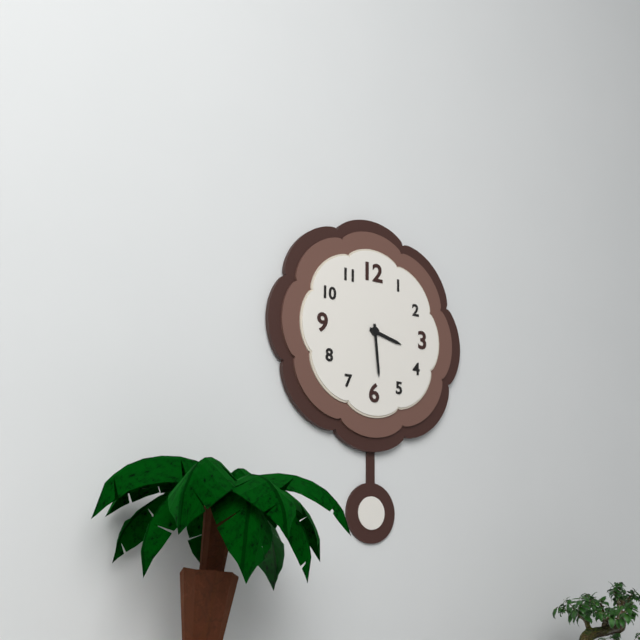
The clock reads 3,29
